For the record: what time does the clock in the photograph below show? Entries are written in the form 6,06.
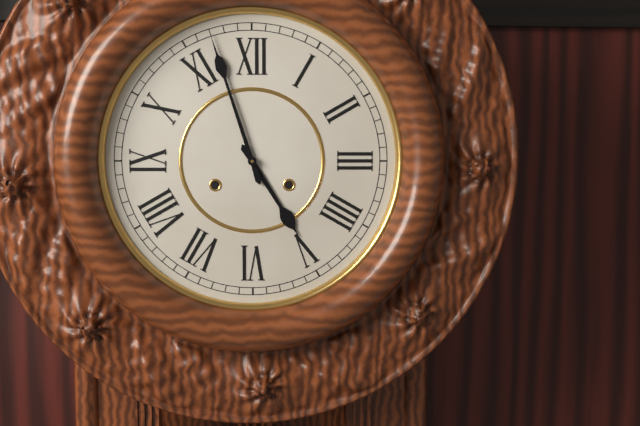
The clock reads 4,57
